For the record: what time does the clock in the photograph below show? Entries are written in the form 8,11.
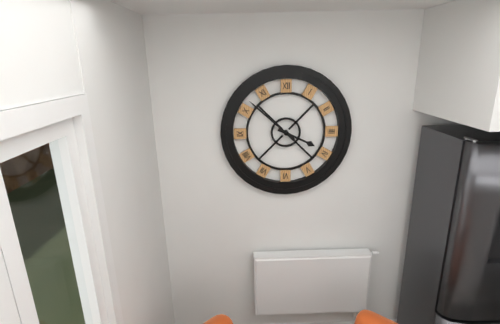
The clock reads 3,52
